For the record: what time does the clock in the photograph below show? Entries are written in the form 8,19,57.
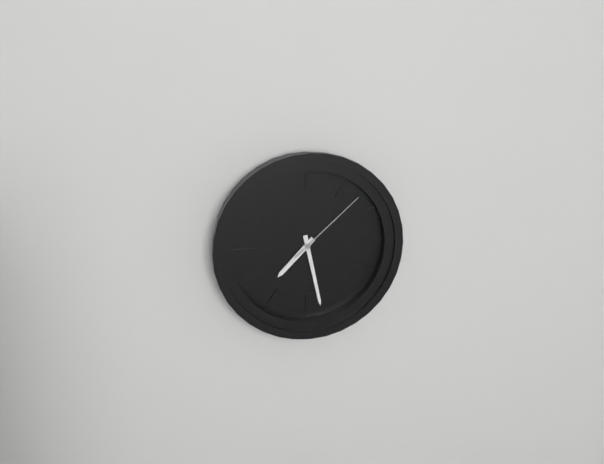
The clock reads 7,28,08
